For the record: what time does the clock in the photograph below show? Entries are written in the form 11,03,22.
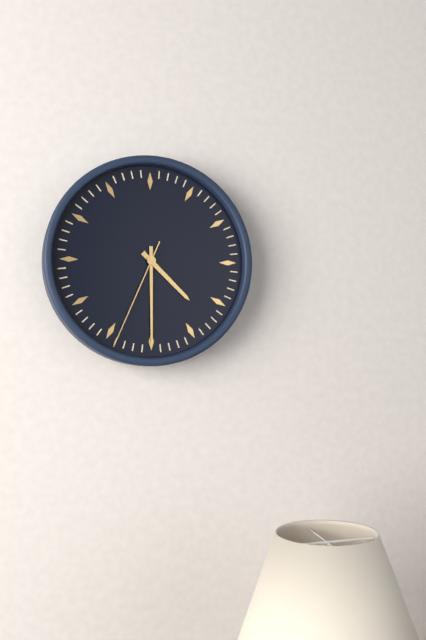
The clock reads 4,30,34
